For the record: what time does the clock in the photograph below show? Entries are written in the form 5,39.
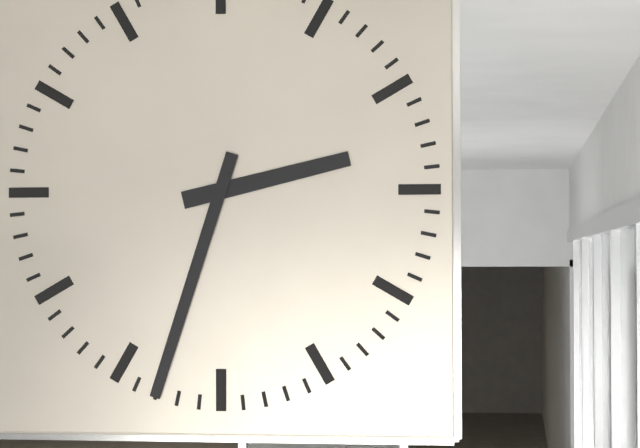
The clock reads 2,33
